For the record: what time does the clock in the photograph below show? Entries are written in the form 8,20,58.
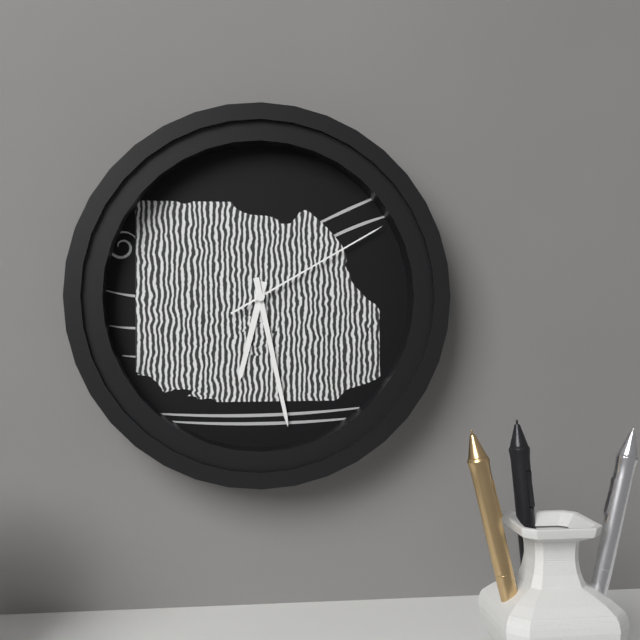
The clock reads 6,28,10
